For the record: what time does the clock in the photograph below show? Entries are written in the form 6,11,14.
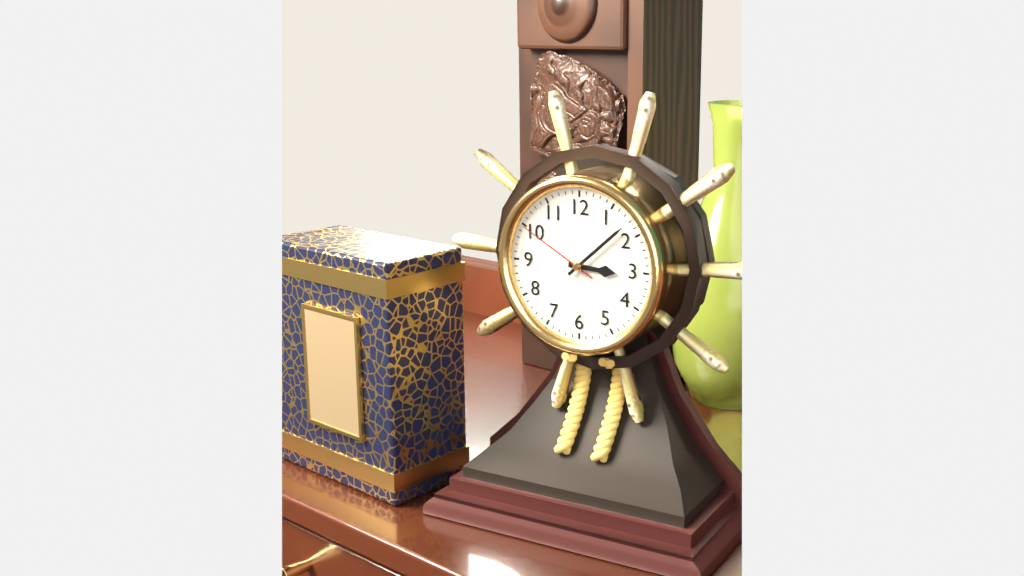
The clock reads 3,08,50
